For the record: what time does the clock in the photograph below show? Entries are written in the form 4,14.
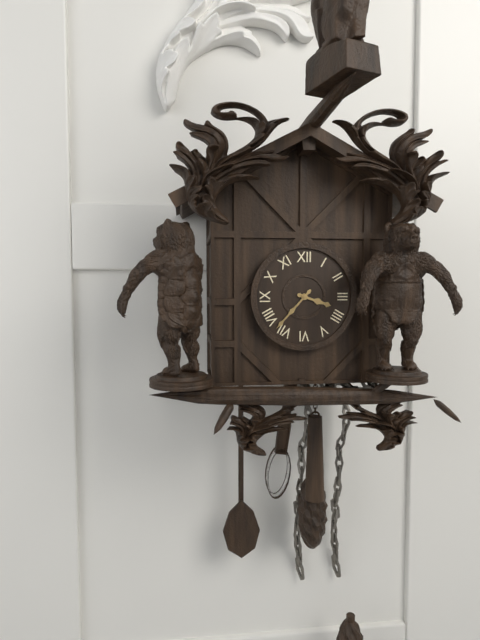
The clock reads 3,37
